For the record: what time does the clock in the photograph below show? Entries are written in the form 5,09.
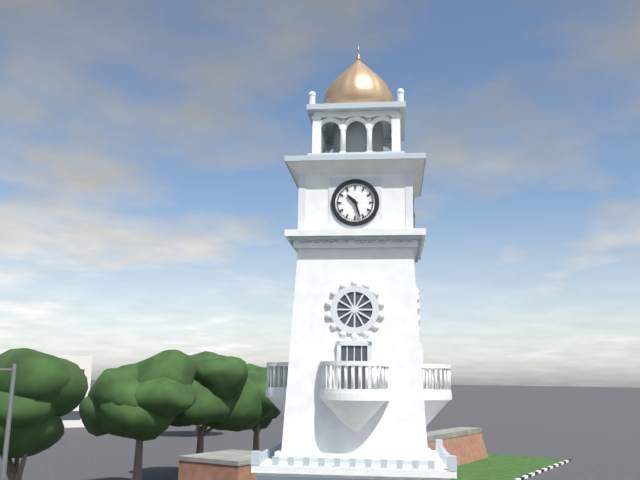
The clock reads 10,27
